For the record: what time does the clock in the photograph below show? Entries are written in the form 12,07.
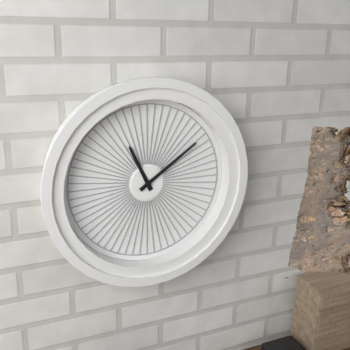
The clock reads 11,09
